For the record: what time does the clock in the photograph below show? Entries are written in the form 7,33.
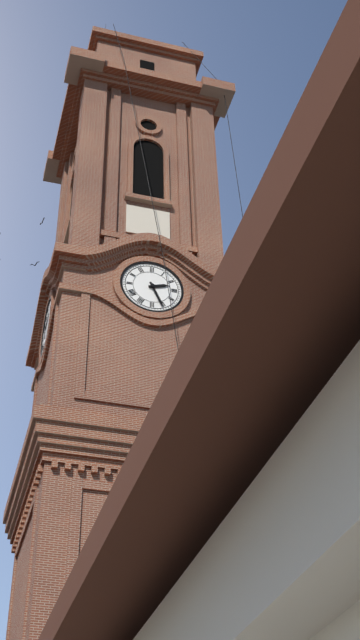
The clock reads 2,26
